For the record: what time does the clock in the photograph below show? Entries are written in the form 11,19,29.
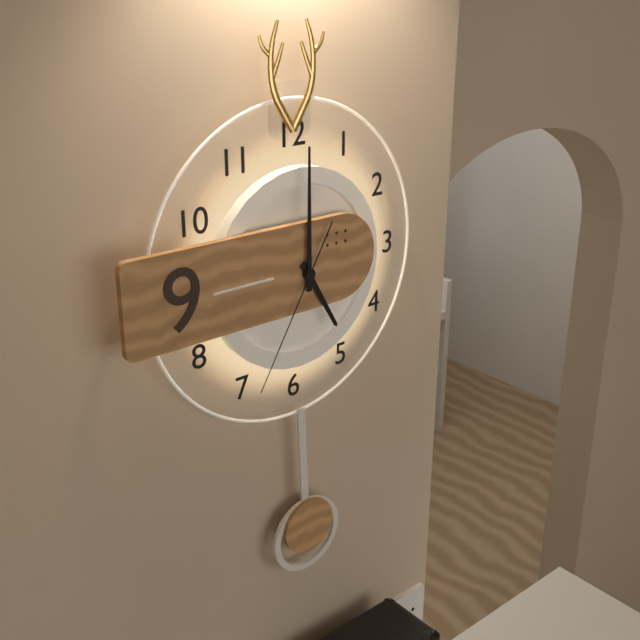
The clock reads 5,00,35
